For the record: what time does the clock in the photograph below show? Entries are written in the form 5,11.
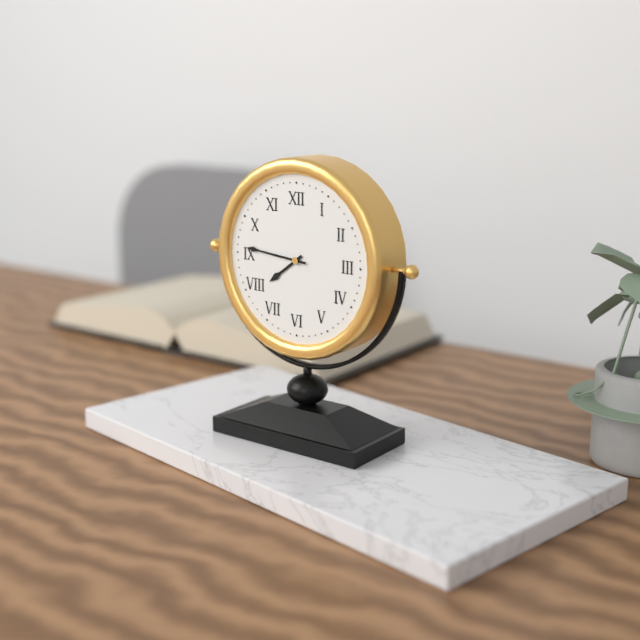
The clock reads 7,46
